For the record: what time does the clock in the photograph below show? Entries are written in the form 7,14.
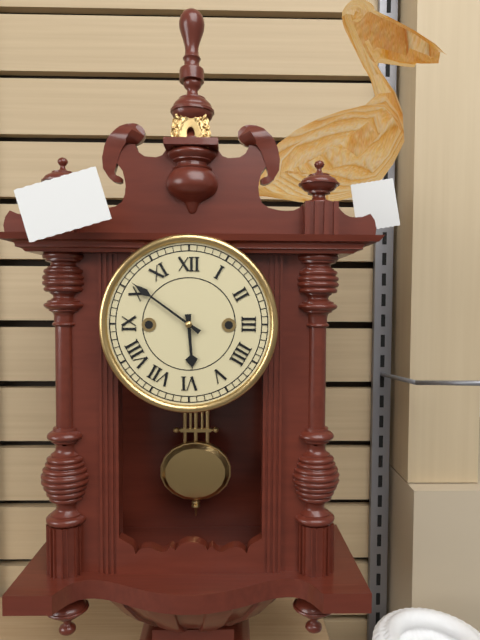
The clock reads 5,51
